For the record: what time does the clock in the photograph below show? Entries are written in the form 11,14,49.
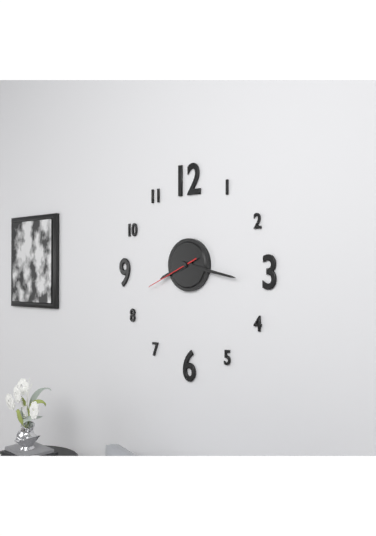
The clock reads 8,17,41
